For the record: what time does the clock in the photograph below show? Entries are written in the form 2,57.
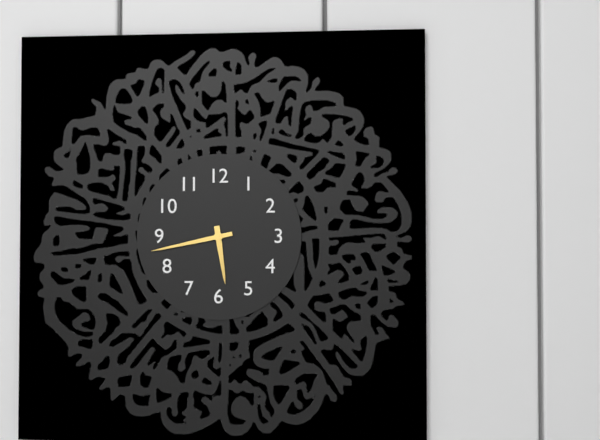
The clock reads 5,43
